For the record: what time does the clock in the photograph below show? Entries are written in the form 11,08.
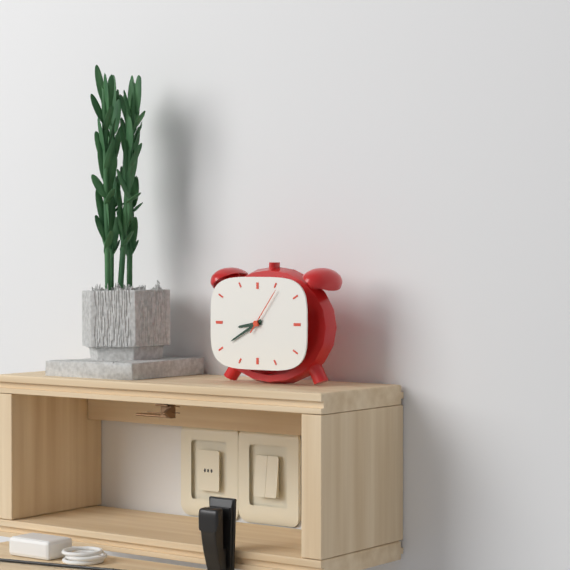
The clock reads 8,40
